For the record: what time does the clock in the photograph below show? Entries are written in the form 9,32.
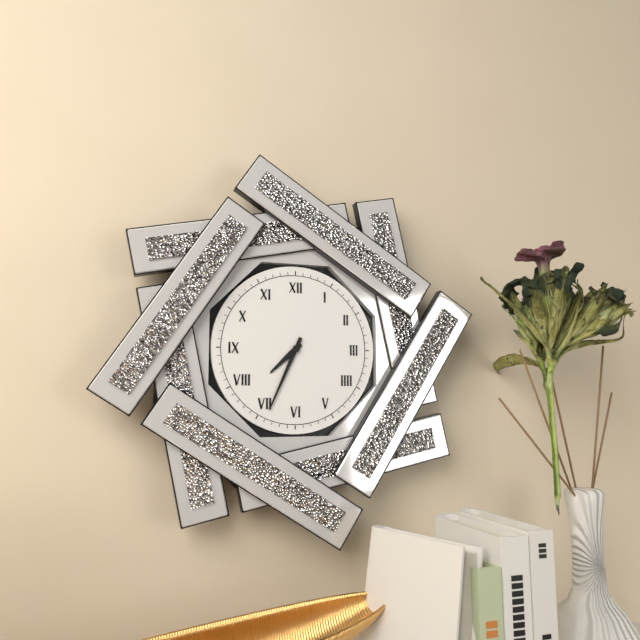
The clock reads 7,34
